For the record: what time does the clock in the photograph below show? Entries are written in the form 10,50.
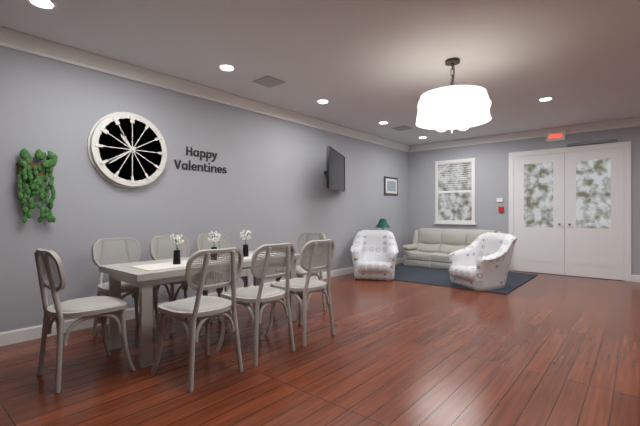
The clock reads 10,39
